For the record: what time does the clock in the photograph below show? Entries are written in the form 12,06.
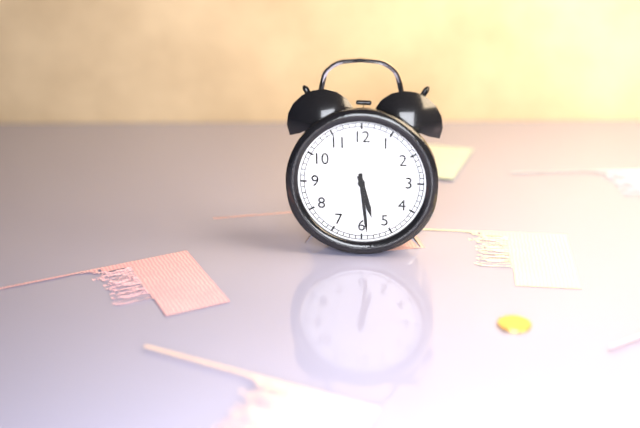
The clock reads 5,29
